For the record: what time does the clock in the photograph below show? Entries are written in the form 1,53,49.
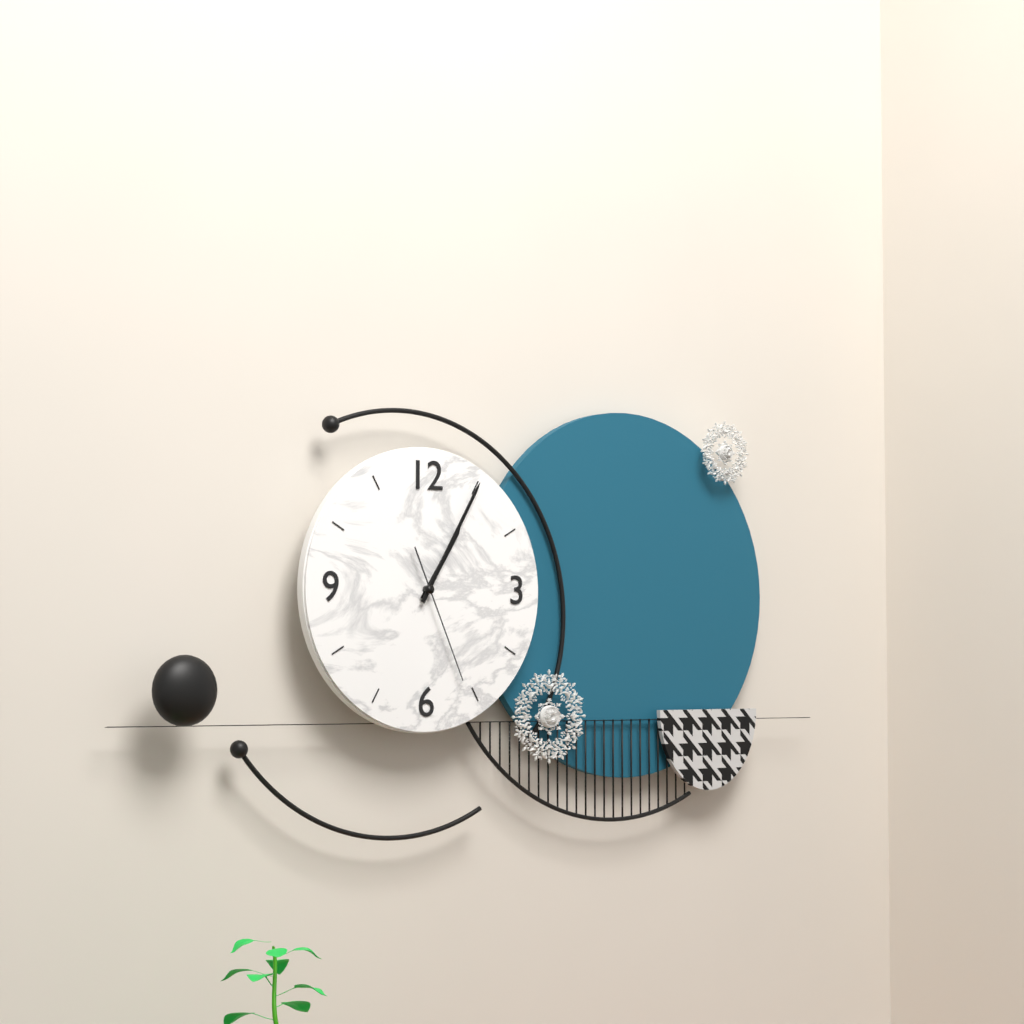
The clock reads 1,05,26
